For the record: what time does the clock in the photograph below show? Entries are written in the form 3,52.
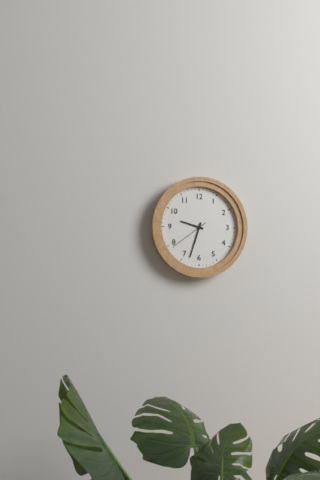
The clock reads 9,33
